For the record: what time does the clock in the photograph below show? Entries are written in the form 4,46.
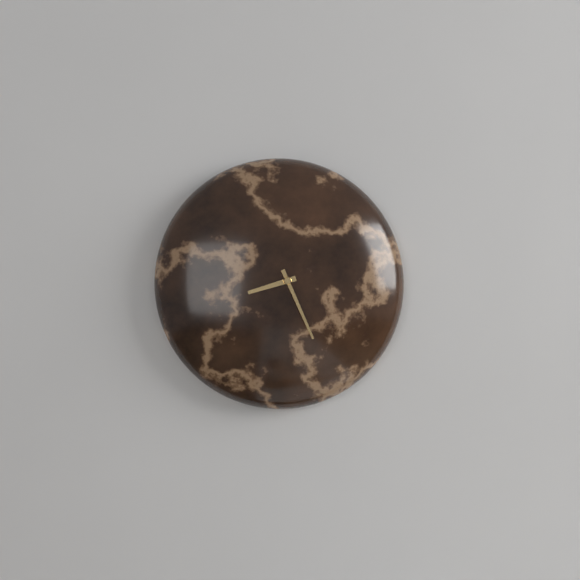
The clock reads 8,26
